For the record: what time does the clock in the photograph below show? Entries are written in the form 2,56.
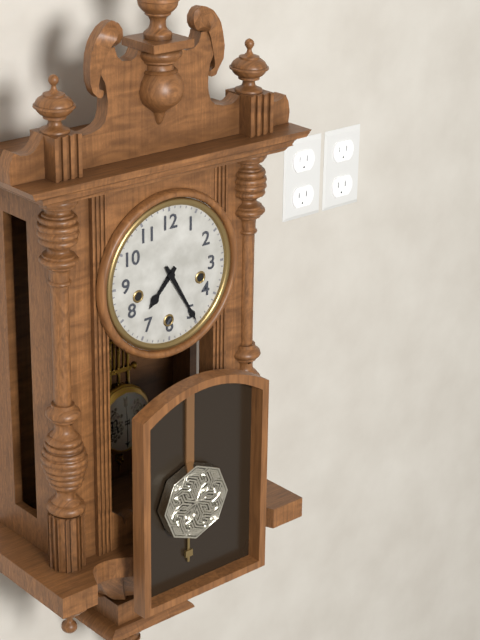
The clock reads 7,25
